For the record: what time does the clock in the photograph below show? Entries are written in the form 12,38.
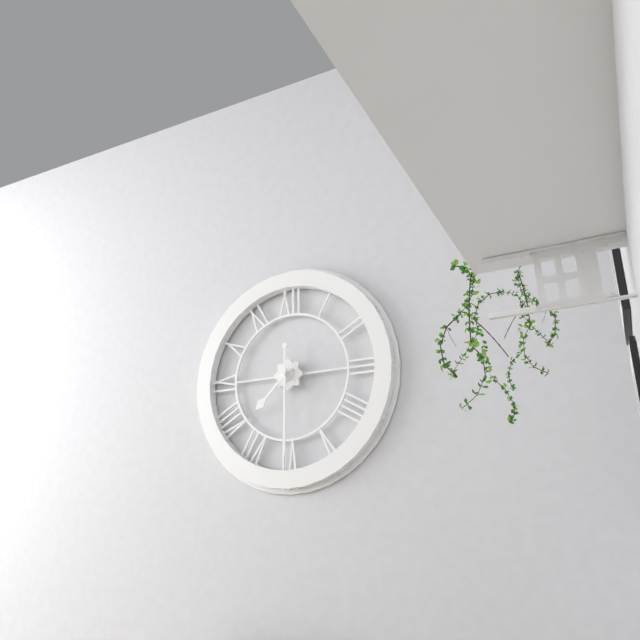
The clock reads 7,30
